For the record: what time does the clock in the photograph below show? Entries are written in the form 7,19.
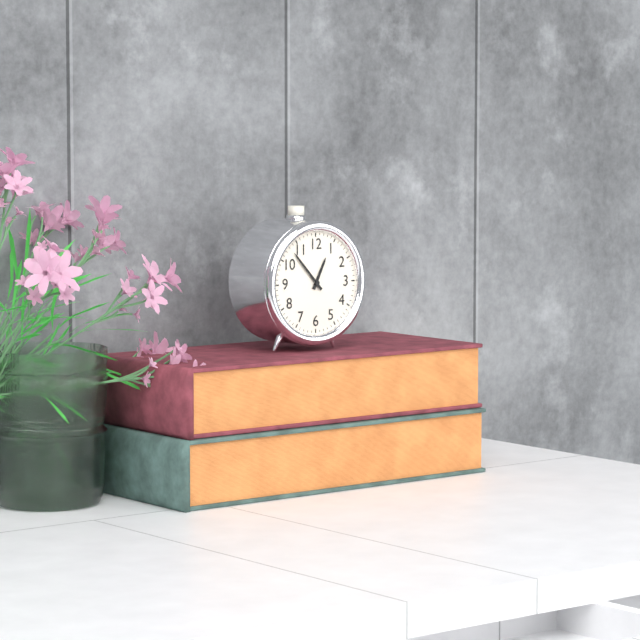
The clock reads 12,53
